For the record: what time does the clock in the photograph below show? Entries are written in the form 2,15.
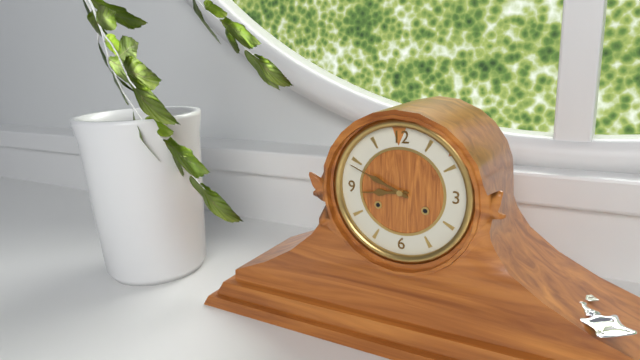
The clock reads 8,49
